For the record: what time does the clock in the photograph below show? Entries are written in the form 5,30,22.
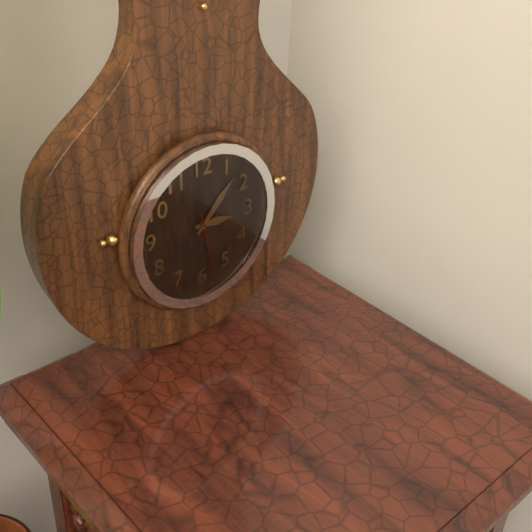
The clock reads 3,07,28
